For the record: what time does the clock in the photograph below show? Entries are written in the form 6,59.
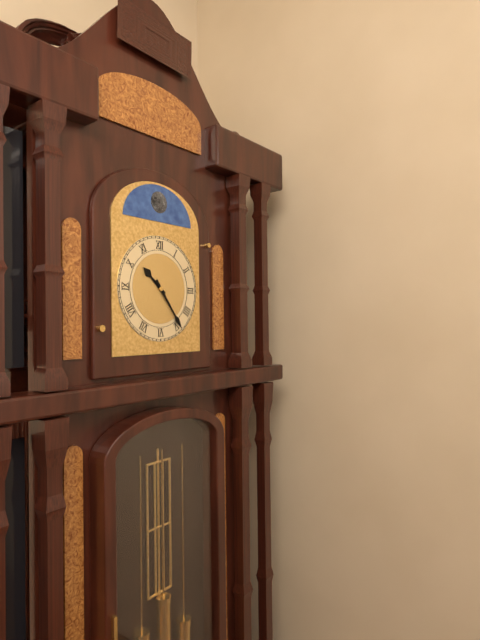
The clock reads 10,24
